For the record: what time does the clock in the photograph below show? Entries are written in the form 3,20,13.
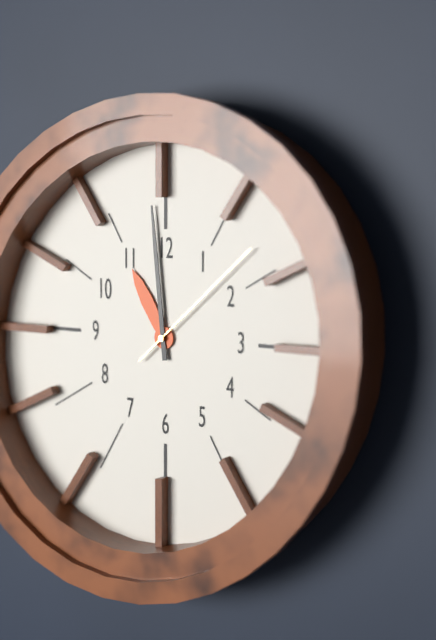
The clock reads 10,59,08
